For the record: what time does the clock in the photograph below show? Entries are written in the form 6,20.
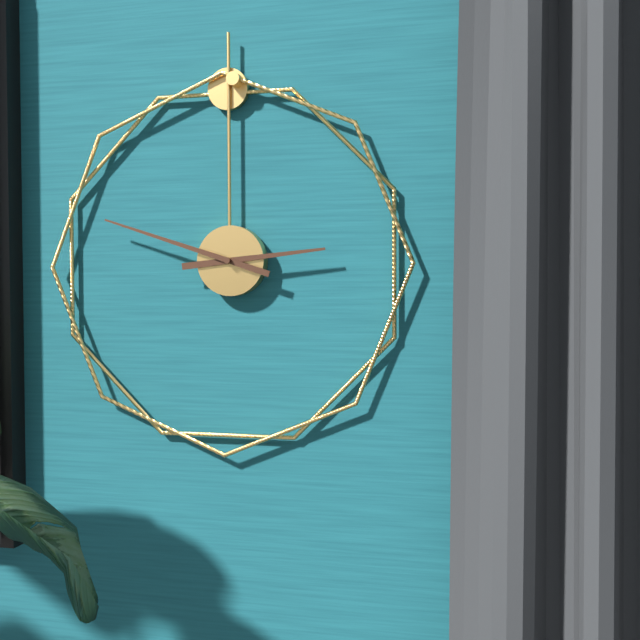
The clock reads 2,48
